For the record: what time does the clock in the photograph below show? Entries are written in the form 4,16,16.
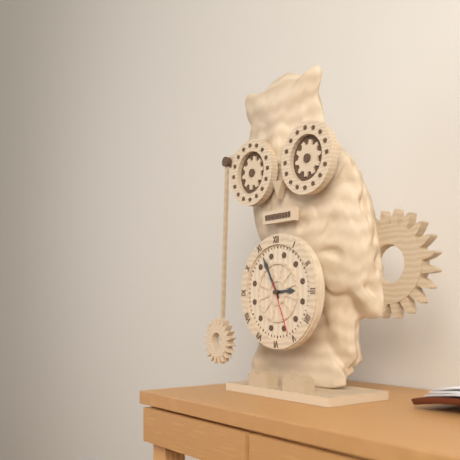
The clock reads 2,55,26
